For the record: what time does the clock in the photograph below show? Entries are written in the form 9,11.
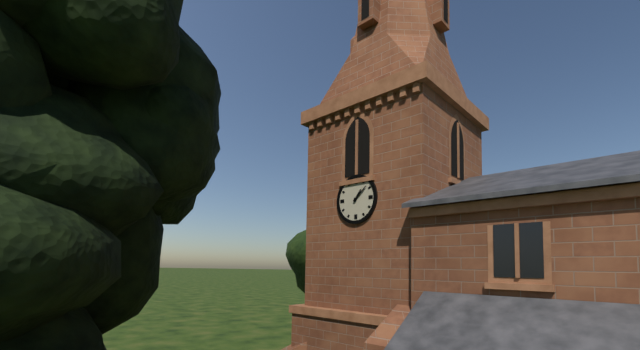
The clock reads 1,08
